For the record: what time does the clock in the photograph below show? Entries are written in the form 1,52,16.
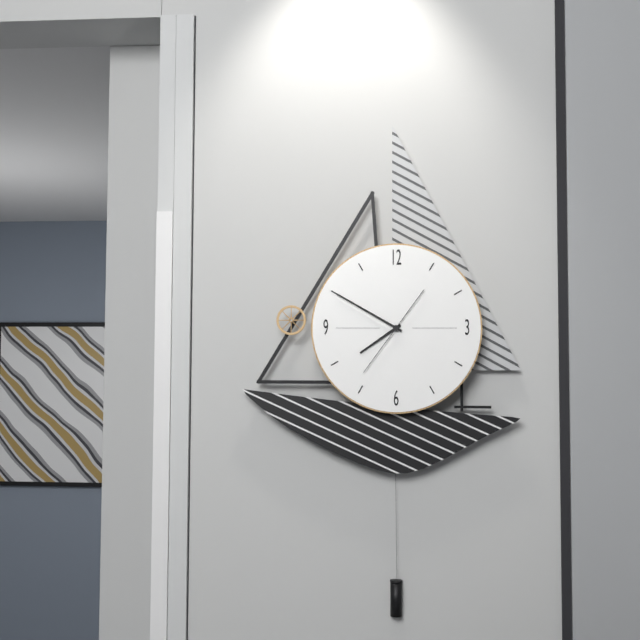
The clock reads 7,50,36
